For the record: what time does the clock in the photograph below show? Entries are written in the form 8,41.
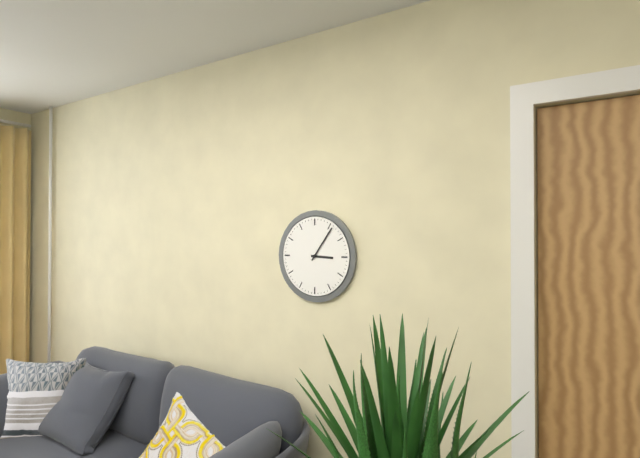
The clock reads 3,06
